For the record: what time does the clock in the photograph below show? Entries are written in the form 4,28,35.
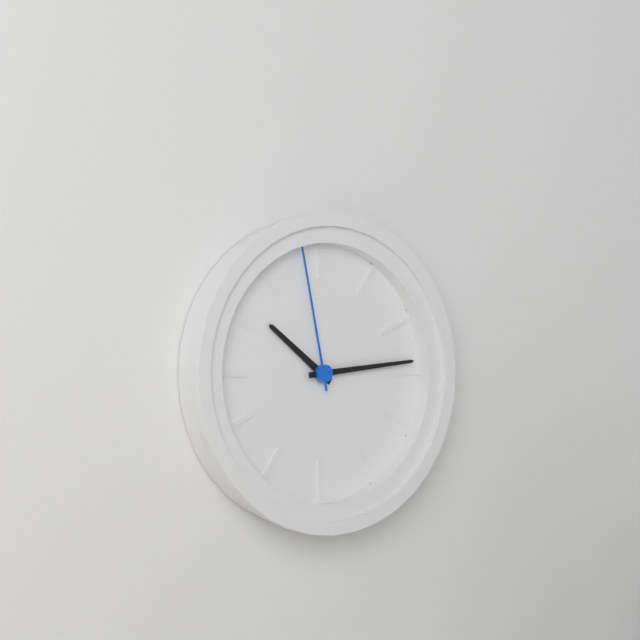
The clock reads 10,14,58
